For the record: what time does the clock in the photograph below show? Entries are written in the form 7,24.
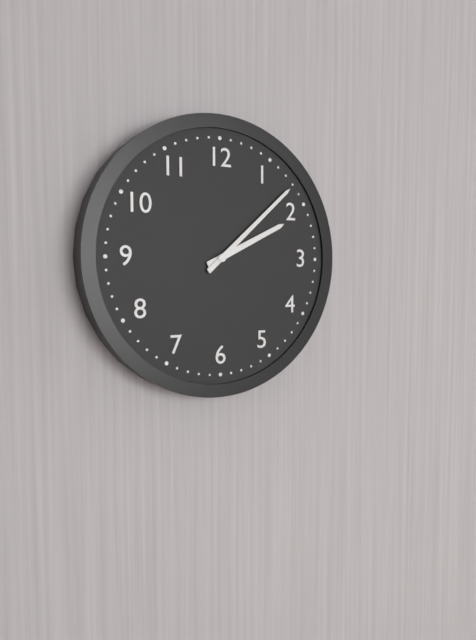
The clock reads 2,08
